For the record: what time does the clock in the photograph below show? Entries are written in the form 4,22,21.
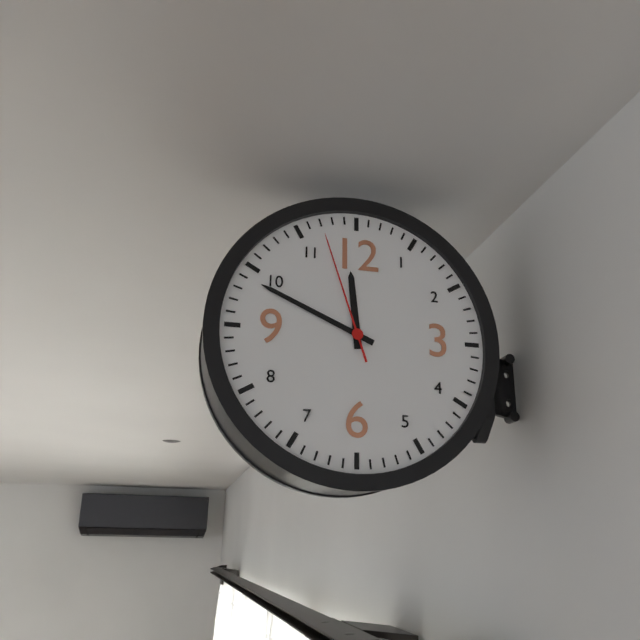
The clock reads 11,49,57
